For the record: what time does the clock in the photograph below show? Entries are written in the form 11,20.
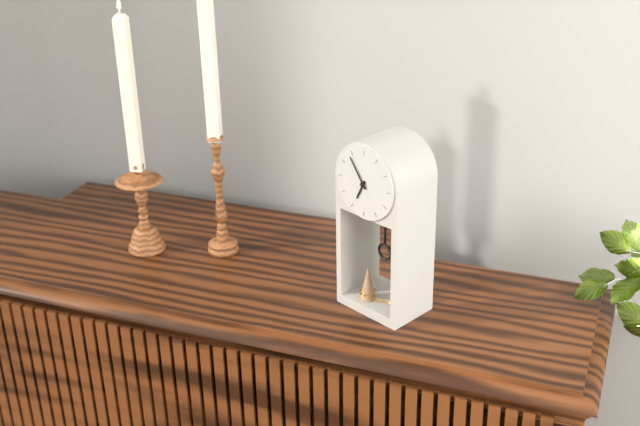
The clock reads 6,54
